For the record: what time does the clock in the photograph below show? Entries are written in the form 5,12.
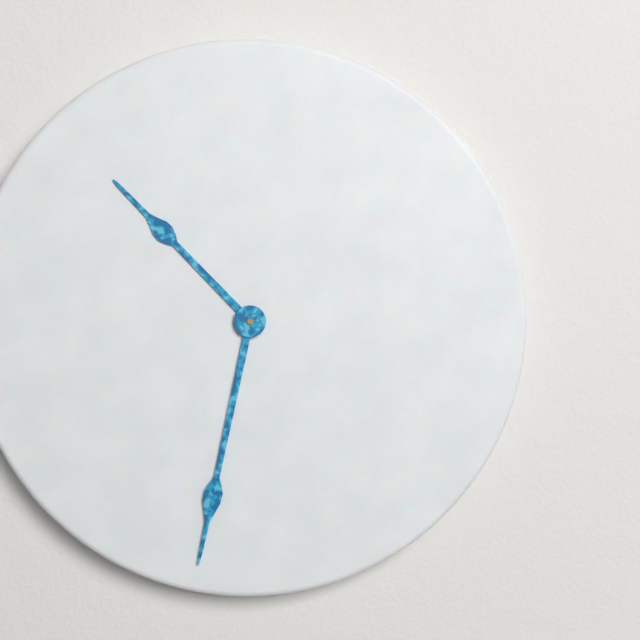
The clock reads 10,32
